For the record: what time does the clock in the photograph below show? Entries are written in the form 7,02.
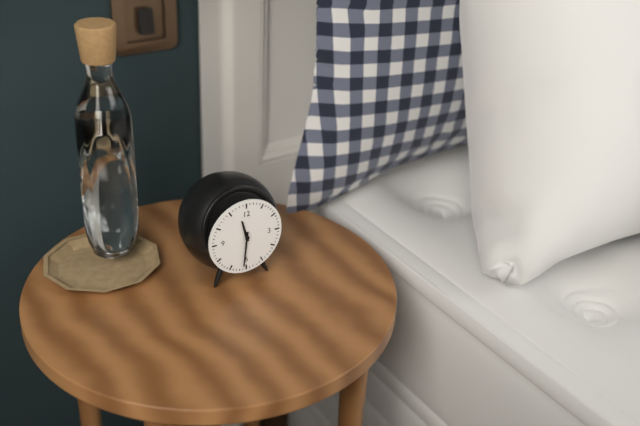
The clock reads 11,31
